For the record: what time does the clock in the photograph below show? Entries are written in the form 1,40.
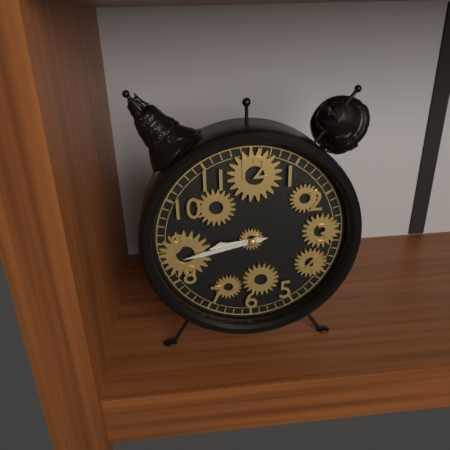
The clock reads 8,43
